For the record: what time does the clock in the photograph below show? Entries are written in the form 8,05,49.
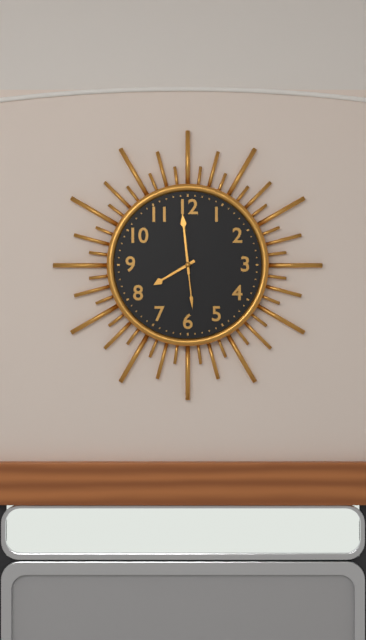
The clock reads 7,59,29
